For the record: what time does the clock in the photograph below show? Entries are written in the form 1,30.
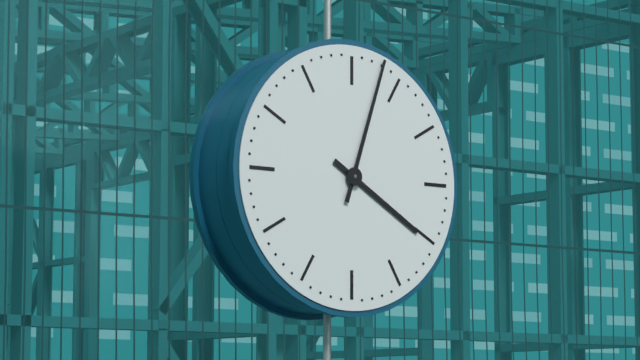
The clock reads 4,03
